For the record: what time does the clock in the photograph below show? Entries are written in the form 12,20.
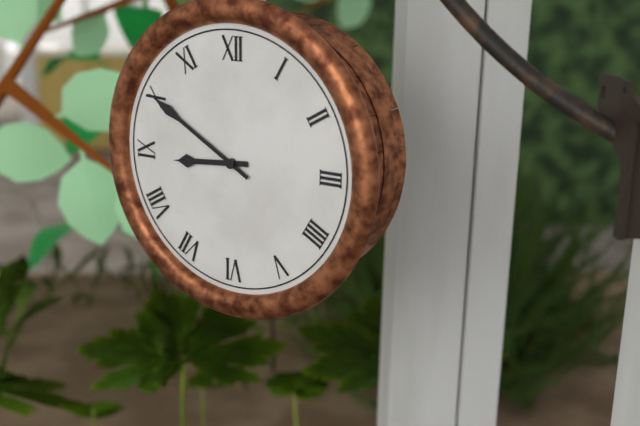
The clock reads 8,50
